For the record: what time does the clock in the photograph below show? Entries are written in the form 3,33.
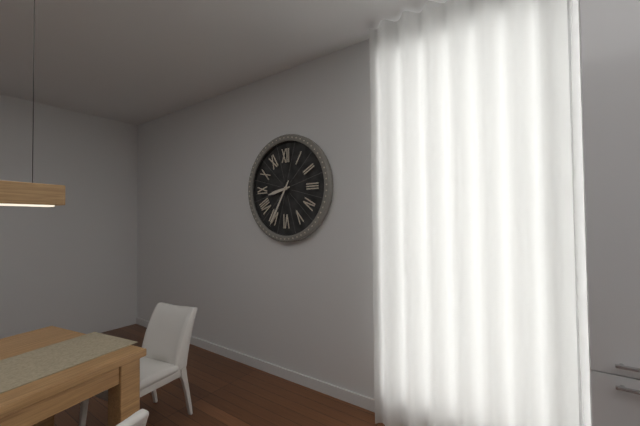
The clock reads 8,35
